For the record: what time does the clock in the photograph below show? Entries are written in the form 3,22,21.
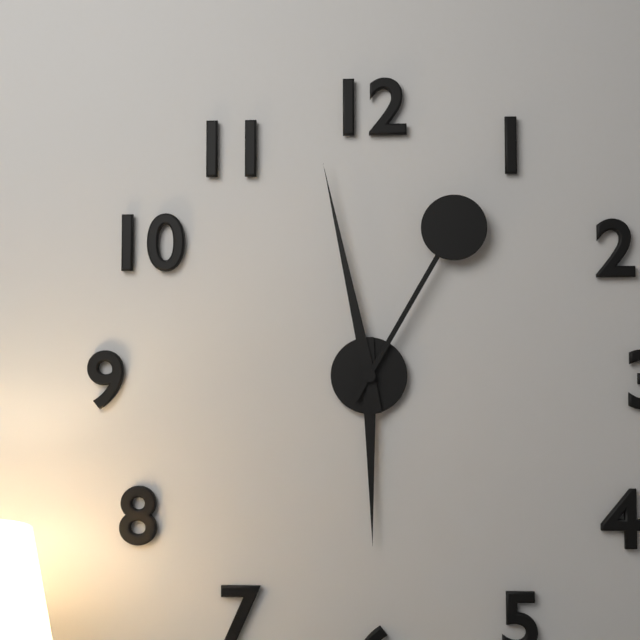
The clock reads 5,58,05
